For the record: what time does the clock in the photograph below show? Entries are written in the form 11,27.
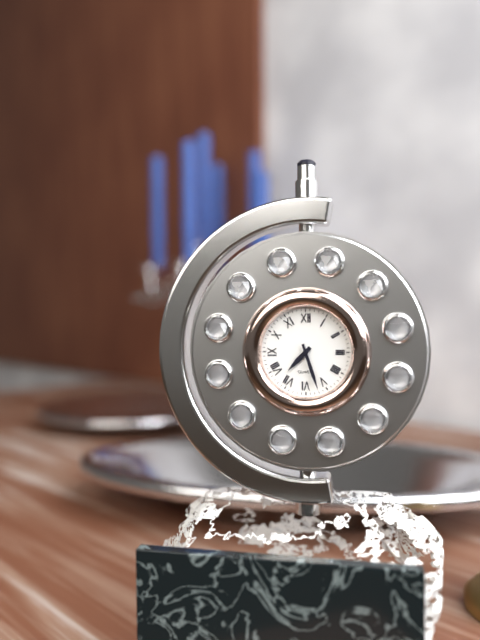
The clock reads 7,27
